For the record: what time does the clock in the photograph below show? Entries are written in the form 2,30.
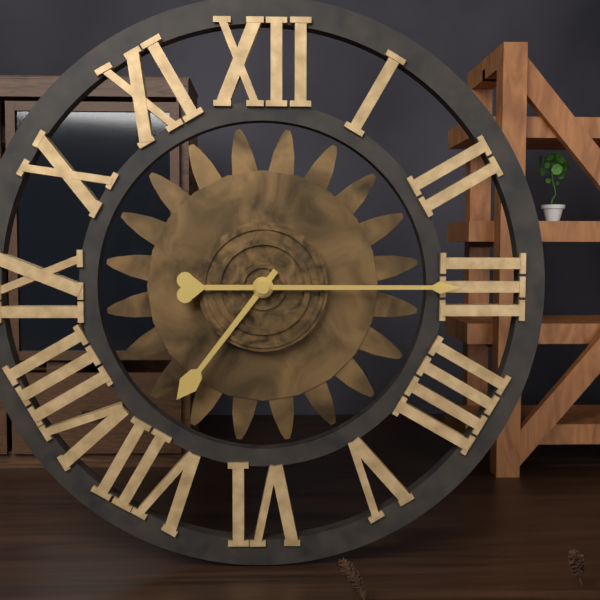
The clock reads 7,15
